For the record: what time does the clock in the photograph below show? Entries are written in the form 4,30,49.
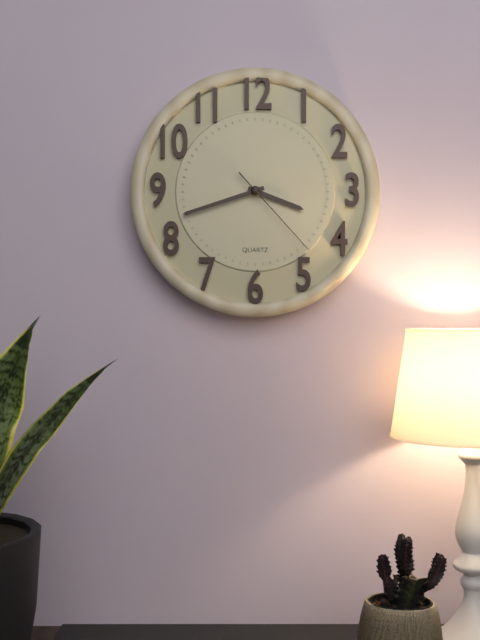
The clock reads 3,42,23
